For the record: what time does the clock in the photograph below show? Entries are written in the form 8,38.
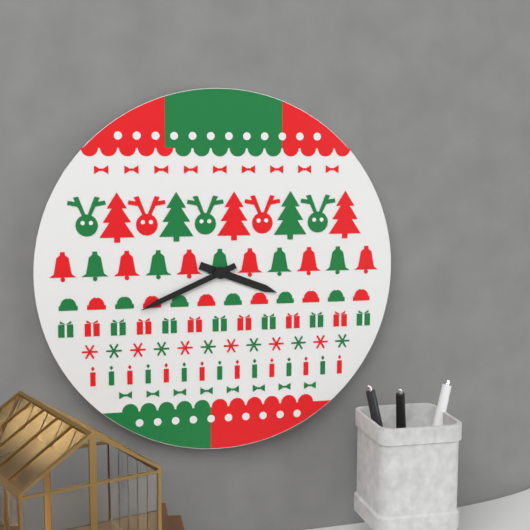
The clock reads 3,41
